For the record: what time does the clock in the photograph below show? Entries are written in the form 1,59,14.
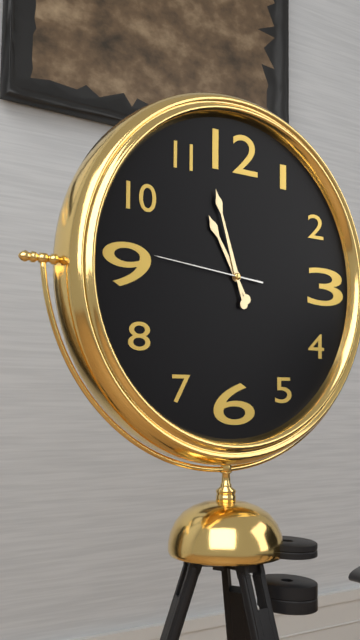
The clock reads 10,57,46
